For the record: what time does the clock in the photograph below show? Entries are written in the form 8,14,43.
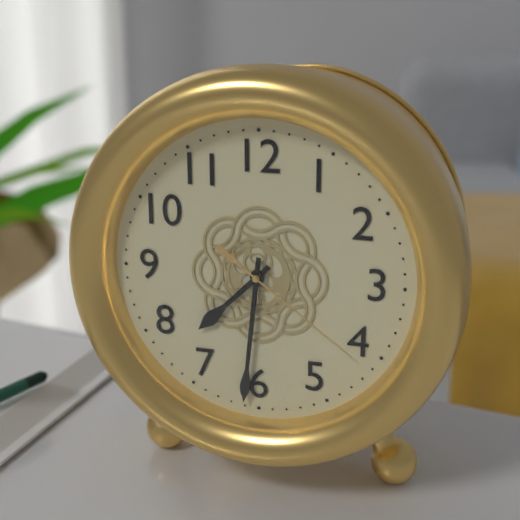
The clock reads 7,31,21
